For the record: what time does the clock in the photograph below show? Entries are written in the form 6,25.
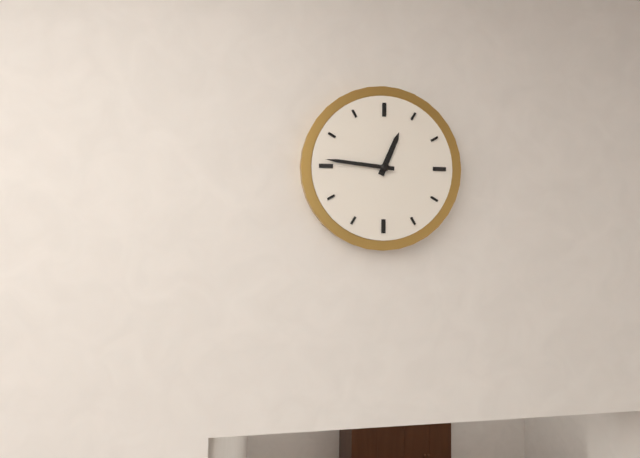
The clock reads 12,46
